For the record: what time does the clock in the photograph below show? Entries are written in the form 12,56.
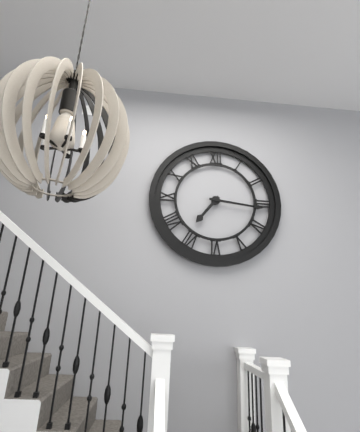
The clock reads 7,16
